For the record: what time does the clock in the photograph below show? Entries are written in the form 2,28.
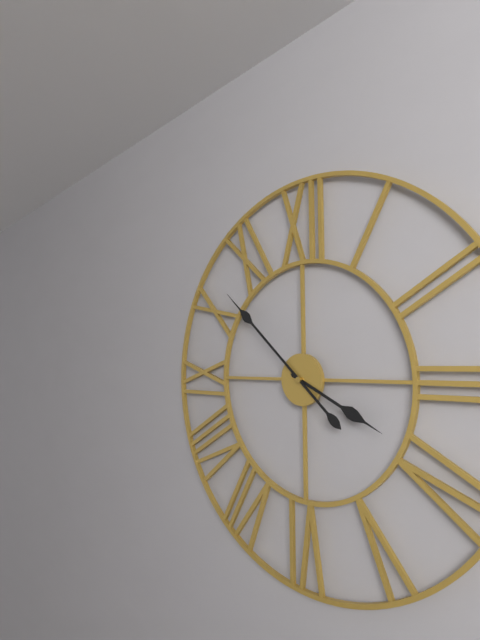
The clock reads 3,52
